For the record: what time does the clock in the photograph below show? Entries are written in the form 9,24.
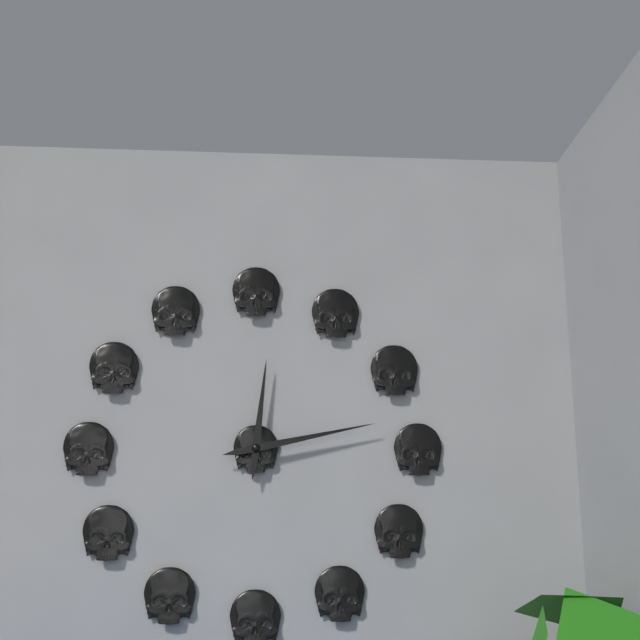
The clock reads 12,13
